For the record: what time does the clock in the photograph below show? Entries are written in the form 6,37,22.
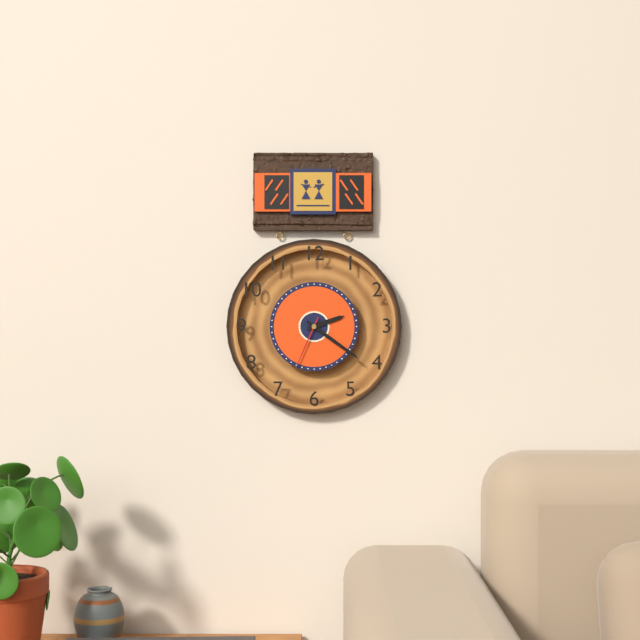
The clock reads 2,21,34
